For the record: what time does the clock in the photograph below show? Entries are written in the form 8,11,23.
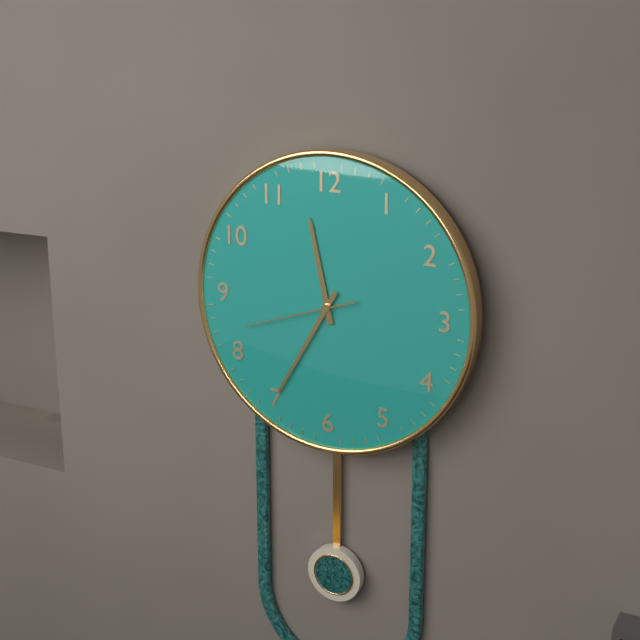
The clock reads 11,35,42
